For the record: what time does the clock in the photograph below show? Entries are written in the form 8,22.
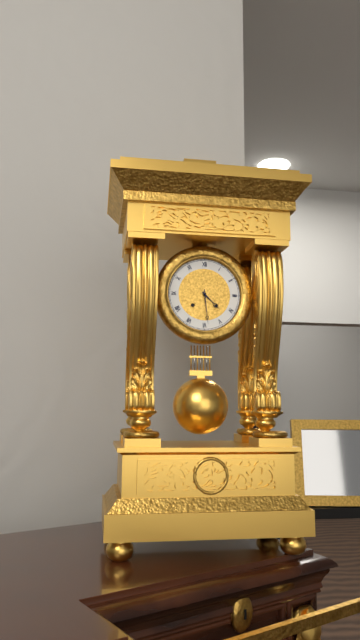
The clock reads 4,29
